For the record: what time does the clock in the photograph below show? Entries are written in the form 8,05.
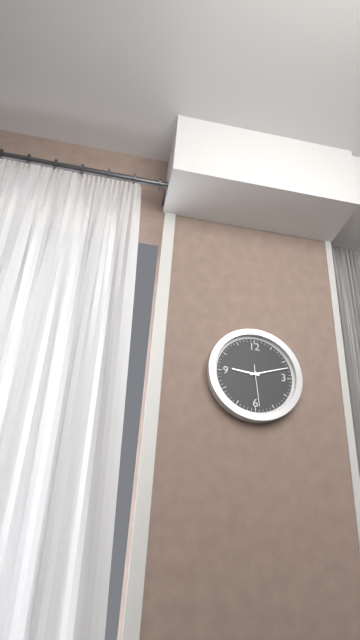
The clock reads 9,12
